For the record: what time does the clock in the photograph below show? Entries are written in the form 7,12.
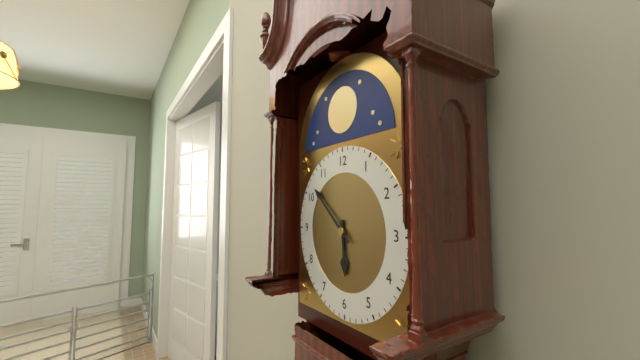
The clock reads 5,52
